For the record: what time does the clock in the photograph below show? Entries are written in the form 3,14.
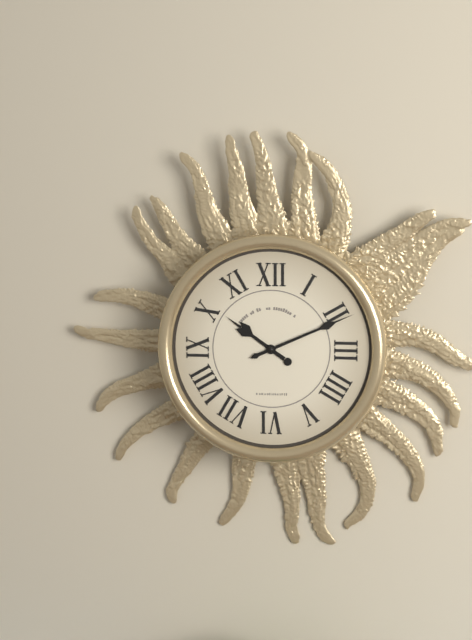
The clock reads 10,11
